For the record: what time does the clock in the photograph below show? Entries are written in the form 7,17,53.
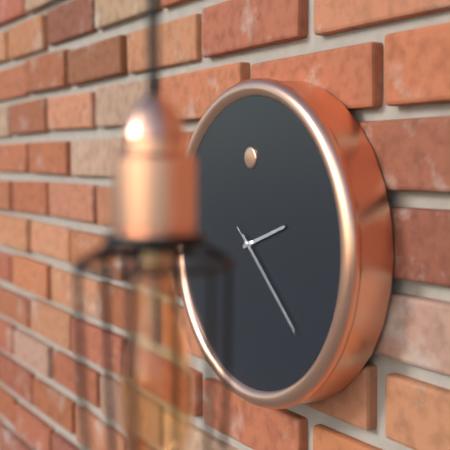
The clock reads 2,22,22
